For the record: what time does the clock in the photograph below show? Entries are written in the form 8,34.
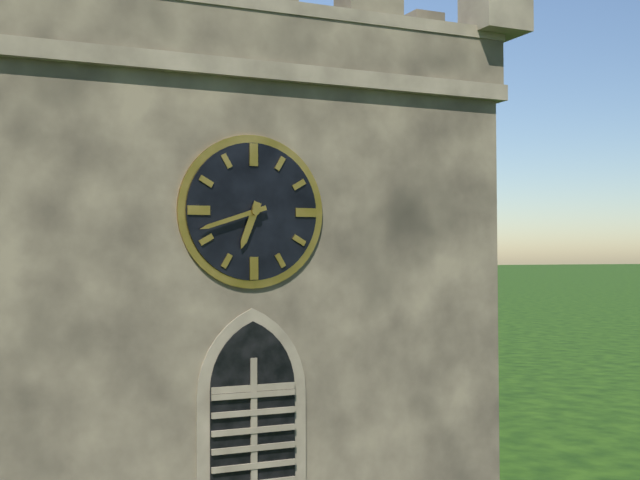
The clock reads 6,42
